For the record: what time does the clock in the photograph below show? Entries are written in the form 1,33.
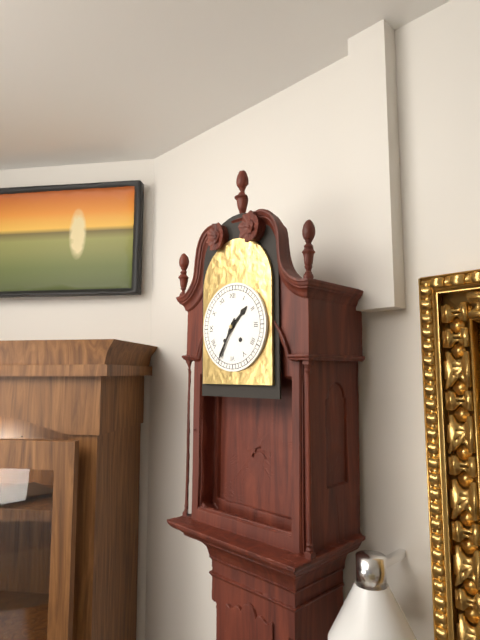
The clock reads 1,35
